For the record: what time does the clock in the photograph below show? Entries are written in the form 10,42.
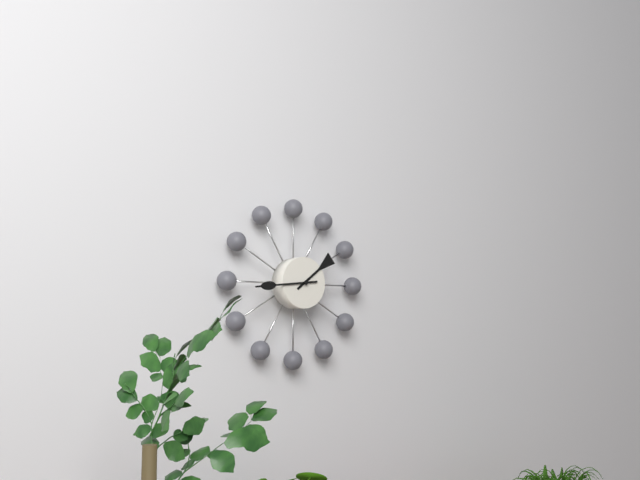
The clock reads 1,44
